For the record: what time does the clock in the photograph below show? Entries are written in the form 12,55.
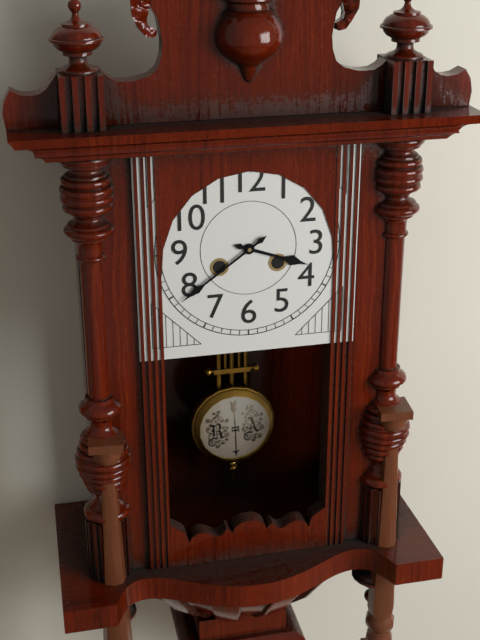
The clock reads 3,39
